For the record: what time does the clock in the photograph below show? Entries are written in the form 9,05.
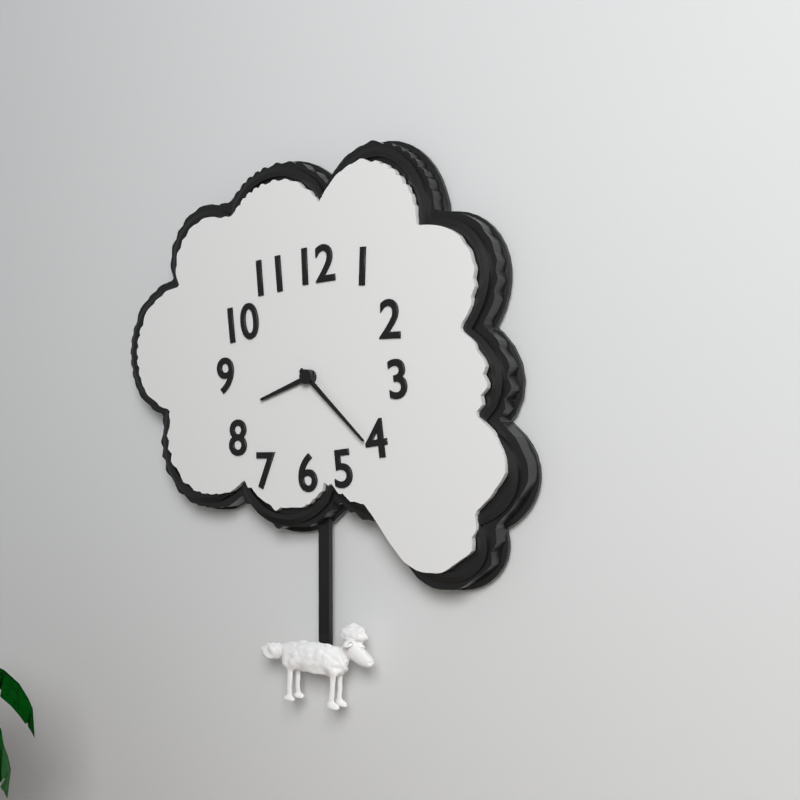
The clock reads 8,22
